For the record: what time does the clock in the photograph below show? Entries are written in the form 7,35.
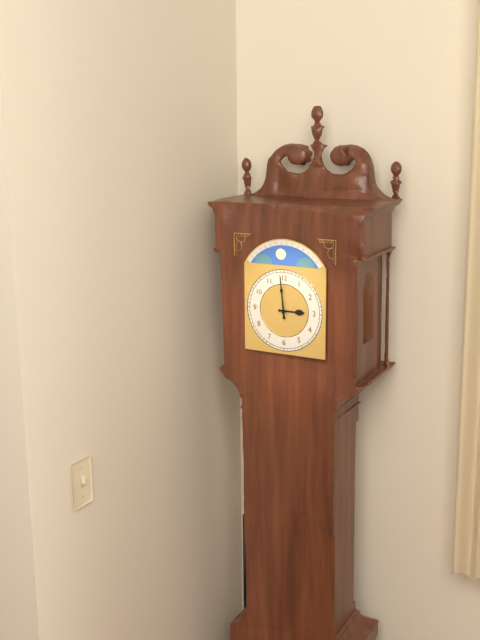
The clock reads 2,59
